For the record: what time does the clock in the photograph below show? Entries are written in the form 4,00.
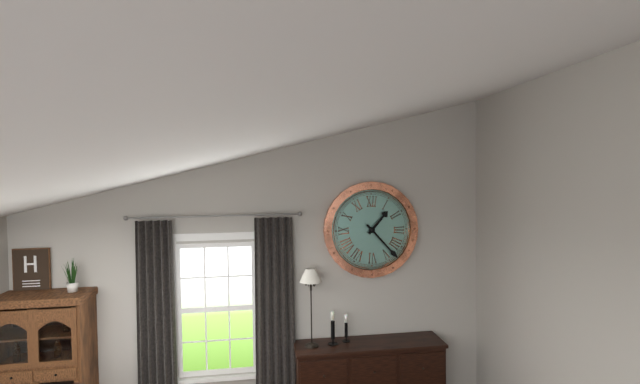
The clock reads 1,23
